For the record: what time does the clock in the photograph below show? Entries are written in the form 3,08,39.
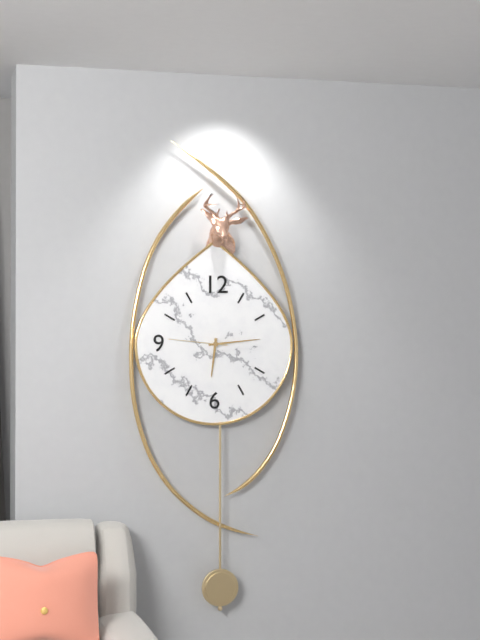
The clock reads 6,14,46
